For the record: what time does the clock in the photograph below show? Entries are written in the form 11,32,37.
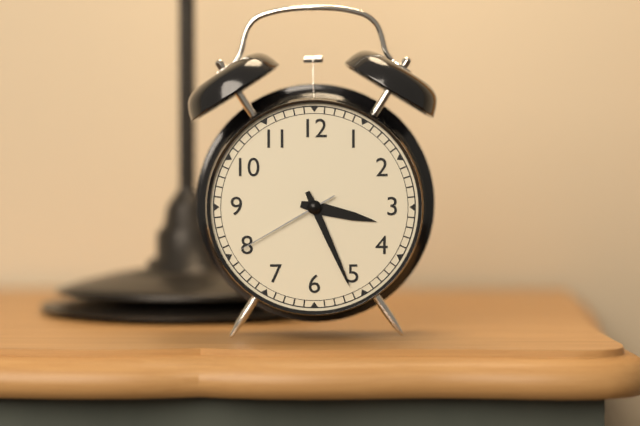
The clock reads 3,26,40
